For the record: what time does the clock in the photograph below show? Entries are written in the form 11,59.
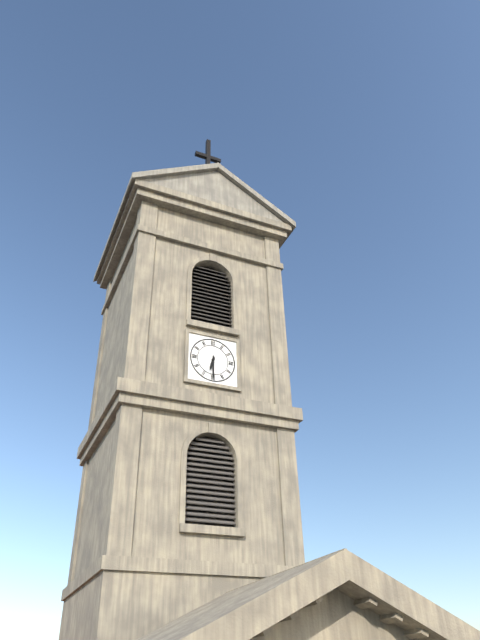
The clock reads 6,30
